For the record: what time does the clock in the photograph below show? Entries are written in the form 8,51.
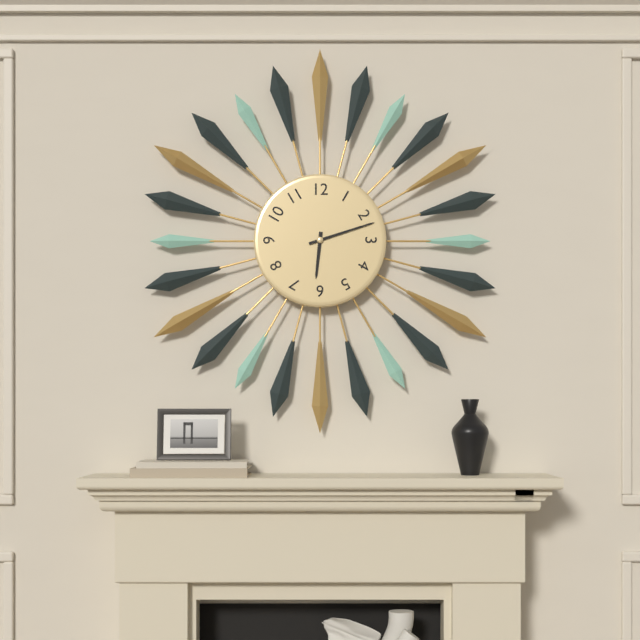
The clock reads 6,12
